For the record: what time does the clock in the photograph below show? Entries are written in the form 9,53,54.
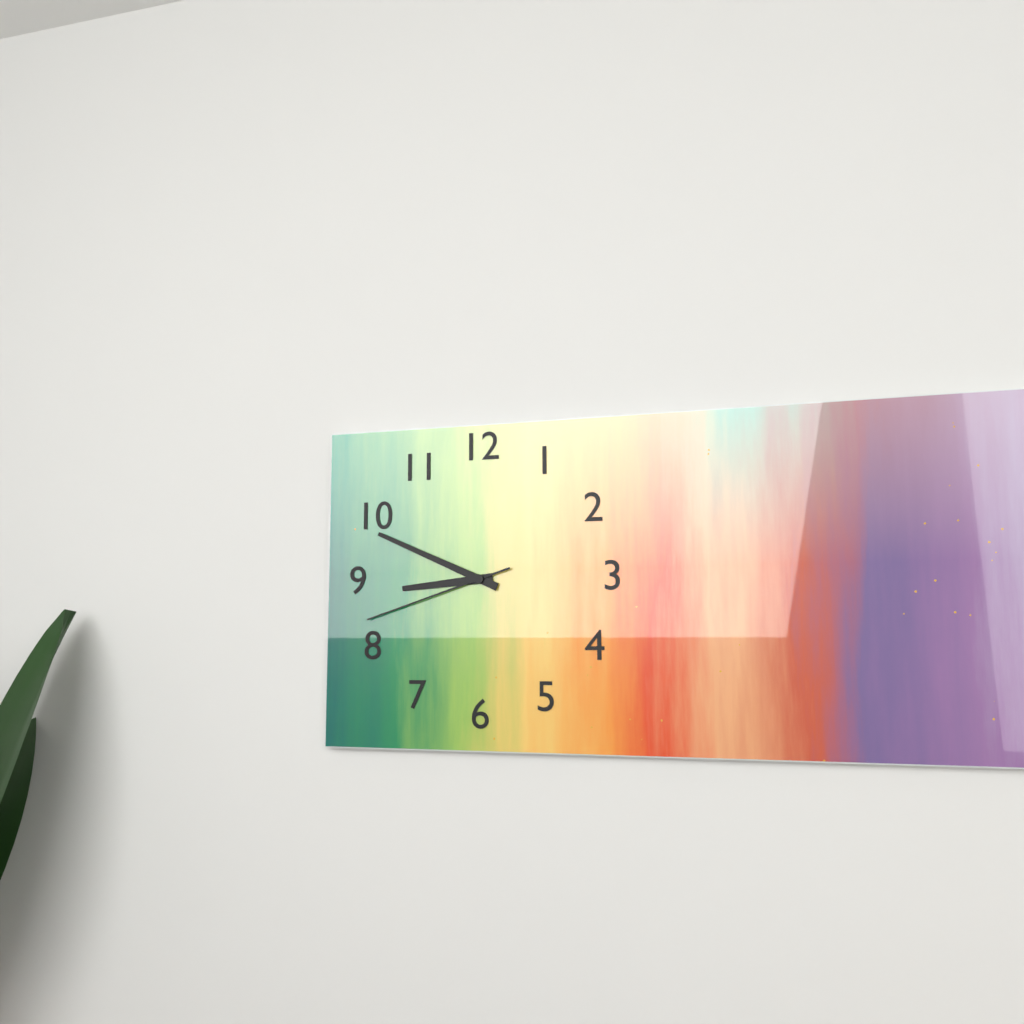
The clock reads 8,49,42
